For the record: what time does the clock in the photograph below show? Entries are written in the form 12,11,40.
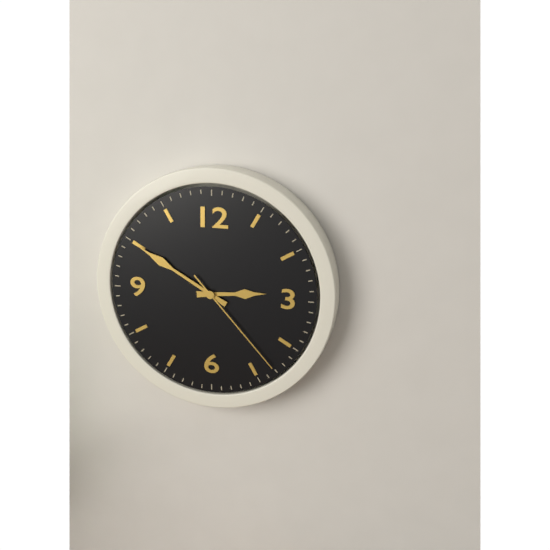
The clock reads 2,50,23
